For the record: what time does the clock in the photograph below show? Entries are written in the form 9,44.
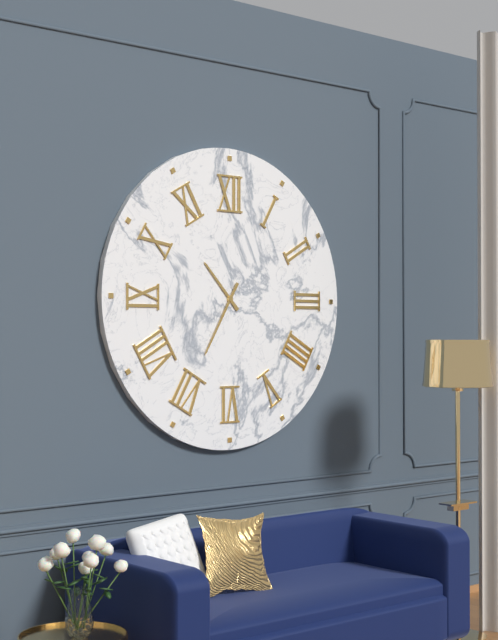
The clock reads 10,35
